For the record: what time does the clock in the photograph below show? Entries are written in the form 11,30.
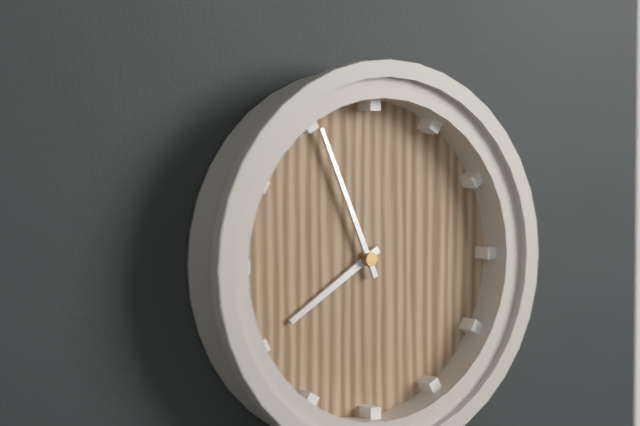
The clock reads 7,56
